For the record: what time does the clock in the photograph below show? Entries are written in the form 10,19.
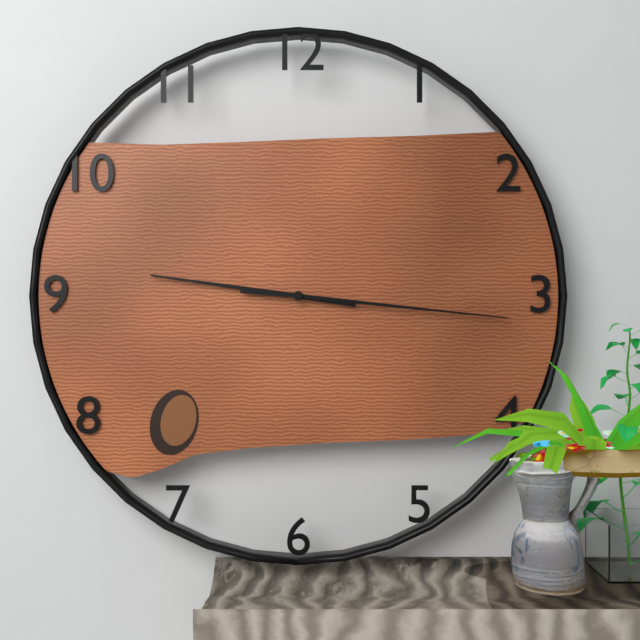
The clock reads 9,16
